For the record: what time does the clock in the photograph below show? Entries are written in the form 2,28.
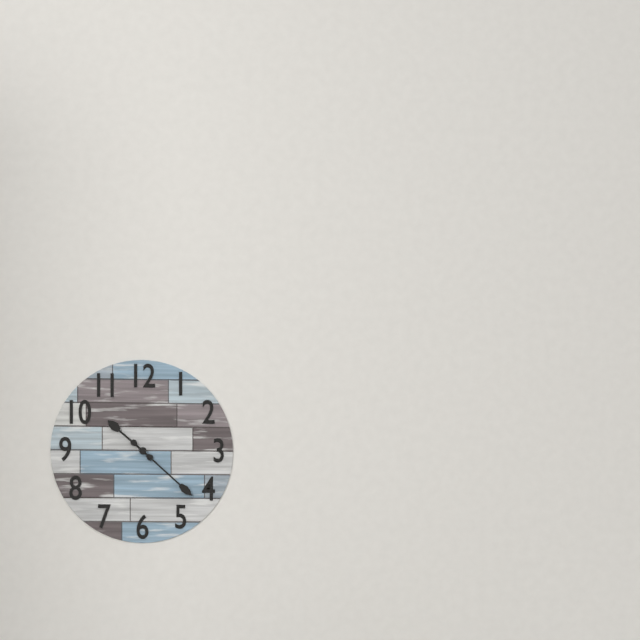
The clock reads 10,22
